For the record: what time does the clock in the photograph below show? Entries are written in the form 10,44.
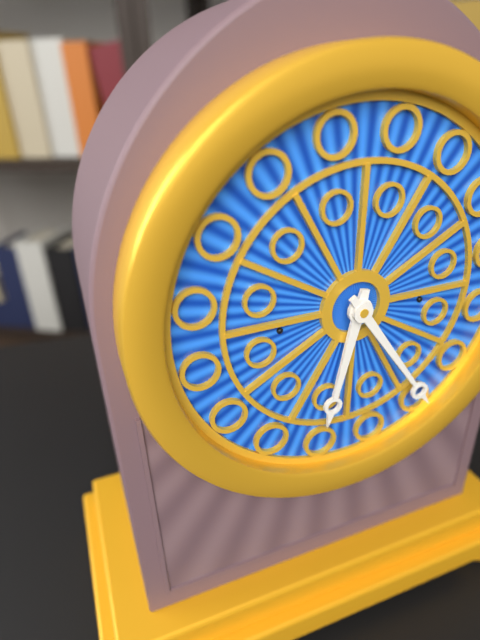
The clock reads 6,24
